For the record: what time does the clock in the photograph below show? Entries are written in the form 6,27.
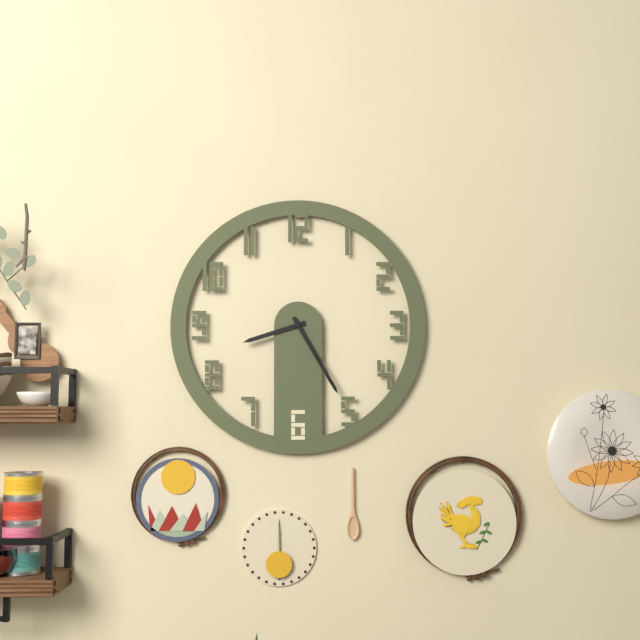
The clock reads 8,25
